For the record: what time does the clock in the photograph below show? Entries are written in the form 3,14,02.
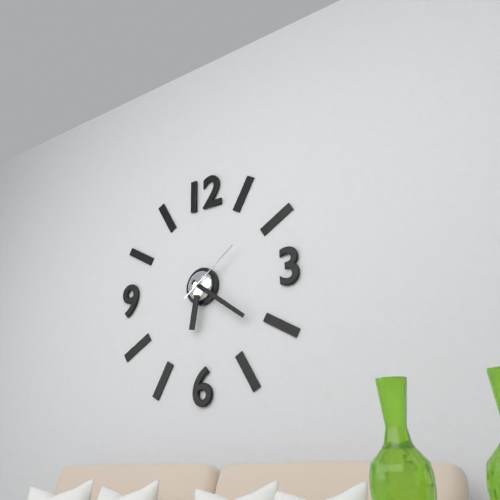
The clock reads 6,21,09
